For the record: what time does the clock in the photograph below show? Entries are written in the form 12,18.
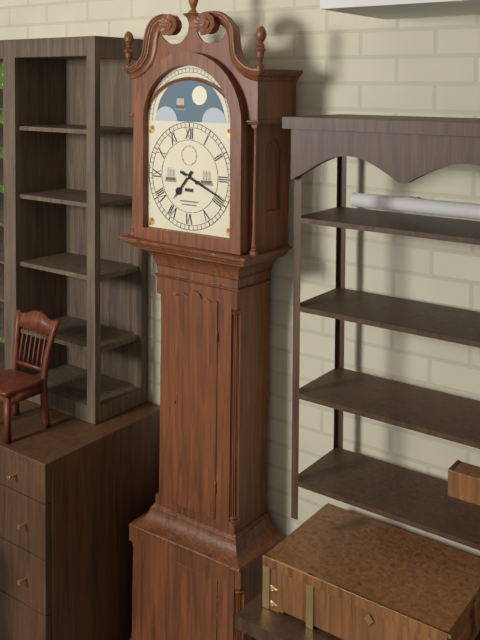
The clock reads 7,19
